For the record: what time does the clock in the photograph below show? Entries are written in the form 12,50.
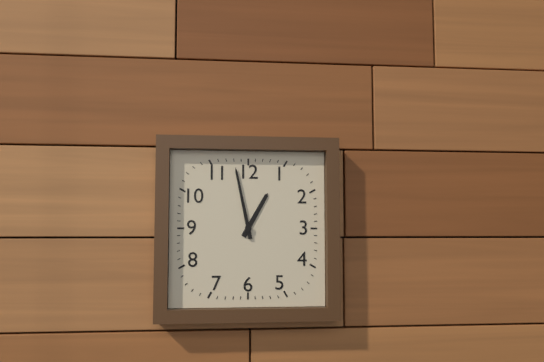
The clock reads 12,58
